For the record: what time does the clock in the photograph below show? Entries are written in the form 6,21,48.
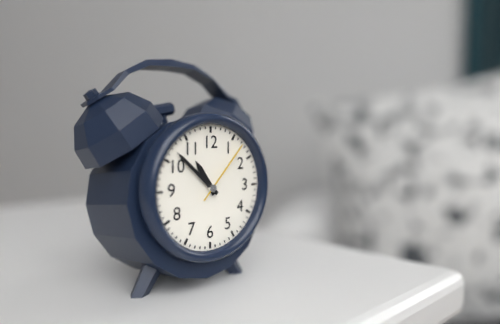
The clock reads 10,52,07
